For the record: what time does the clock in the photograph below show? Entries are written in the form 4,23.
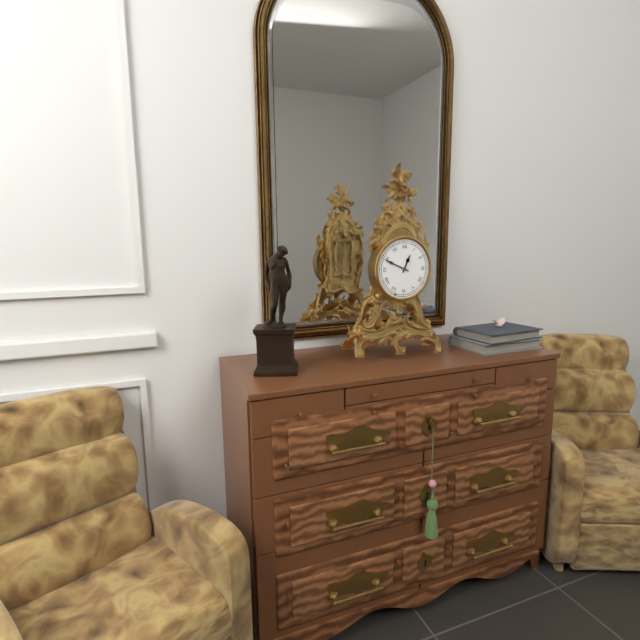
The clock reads 12,49
